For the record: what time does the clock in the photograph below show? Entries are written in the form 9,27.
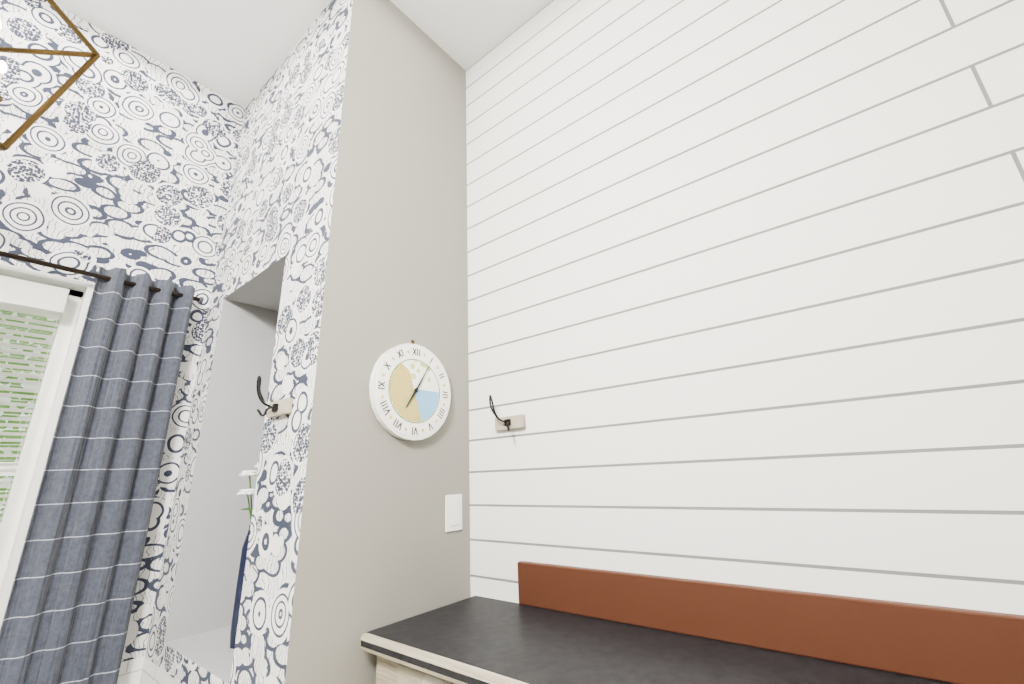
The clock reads 7,05
